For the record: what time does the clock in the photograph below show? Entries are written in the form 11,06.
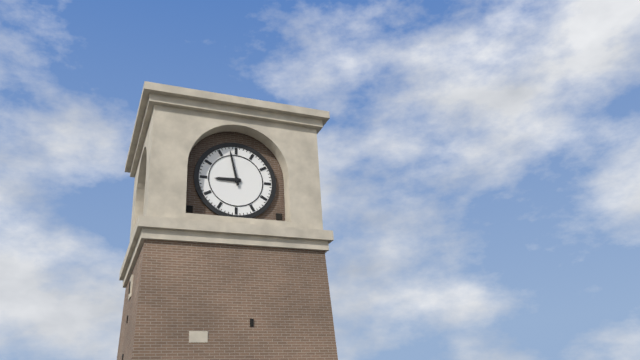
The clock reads 8,58
